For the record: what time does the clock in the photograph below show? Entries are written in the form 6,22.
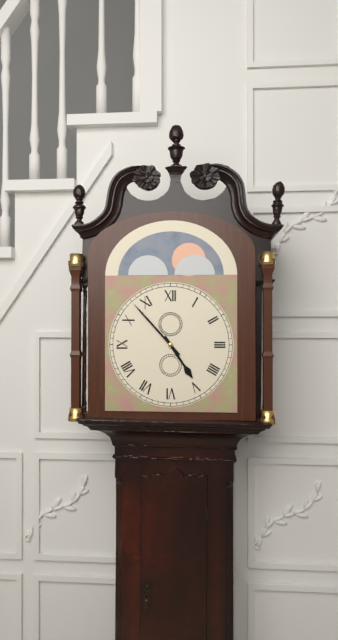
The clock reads 4,53
